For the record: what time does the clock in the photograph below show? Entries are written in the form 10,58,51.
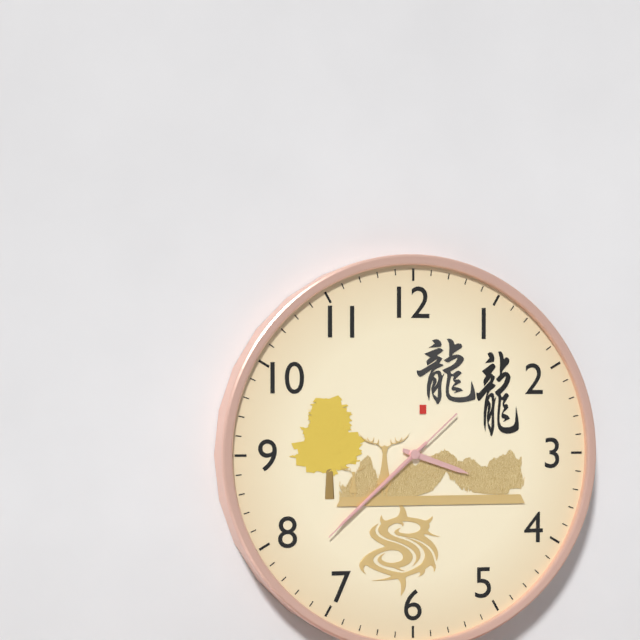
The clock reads 3,38,38
